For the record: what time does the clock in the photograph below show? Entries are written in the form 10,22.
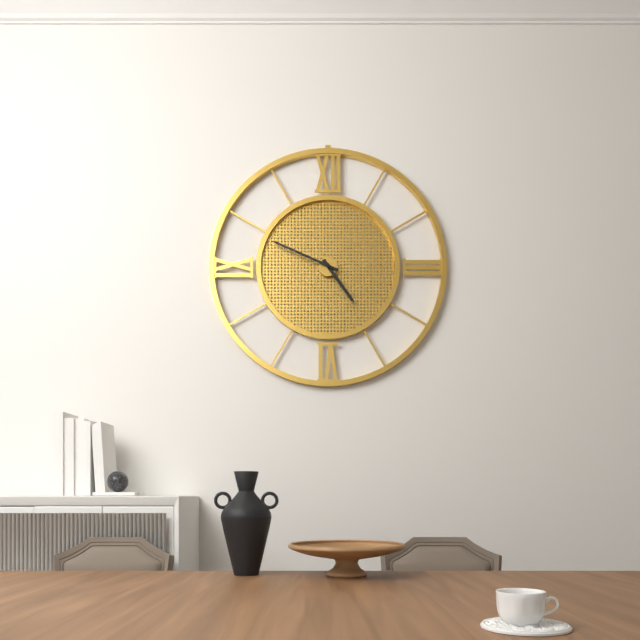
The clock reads 4,49
